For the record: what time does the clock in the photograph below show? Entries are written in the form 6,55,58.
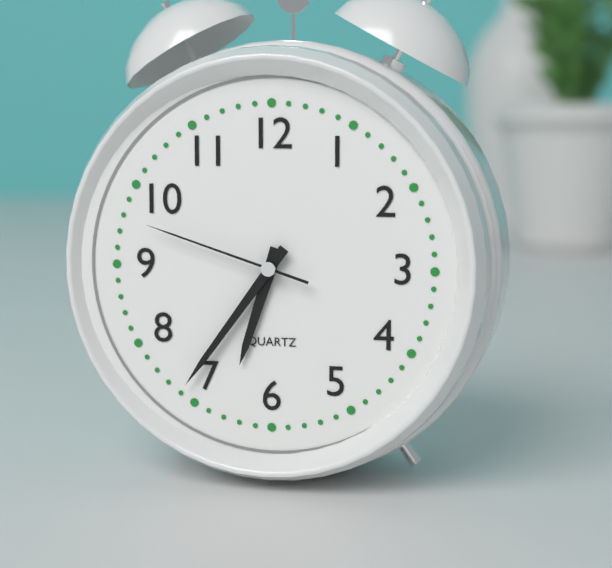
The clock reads 6,36,48
